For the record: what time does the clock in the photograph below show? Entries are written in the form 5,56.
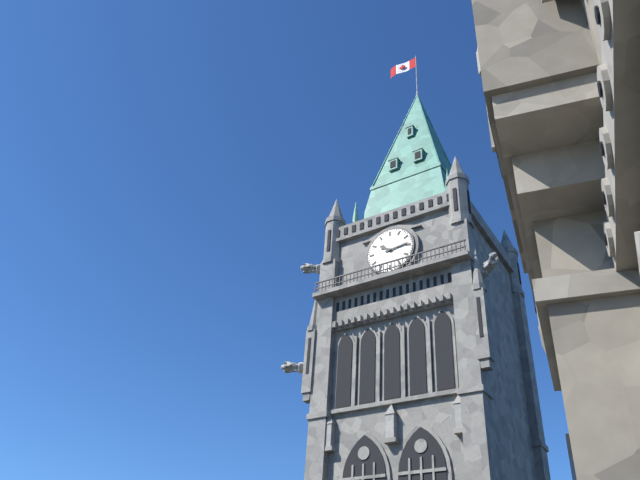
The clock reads 10,14
